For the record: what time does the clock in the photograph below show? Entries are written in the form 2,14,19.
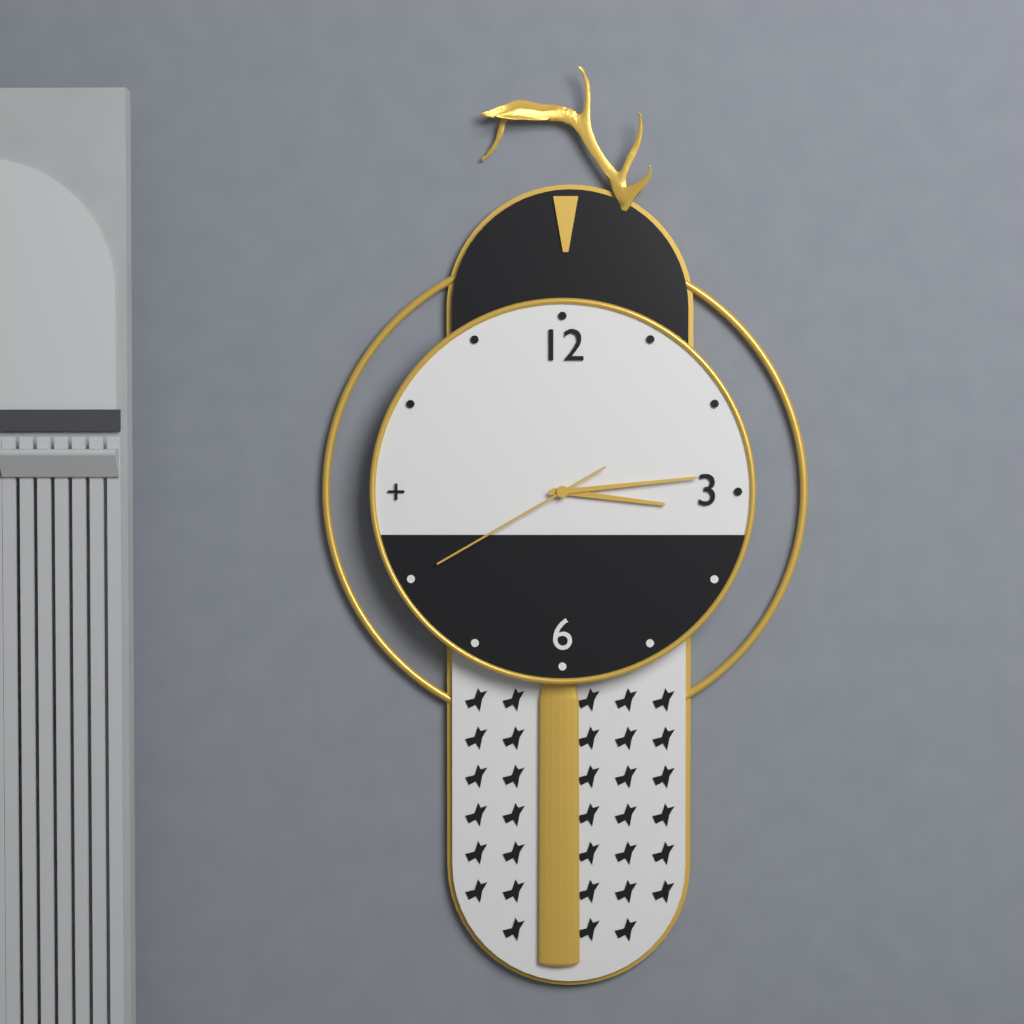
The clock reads 3,14,40
